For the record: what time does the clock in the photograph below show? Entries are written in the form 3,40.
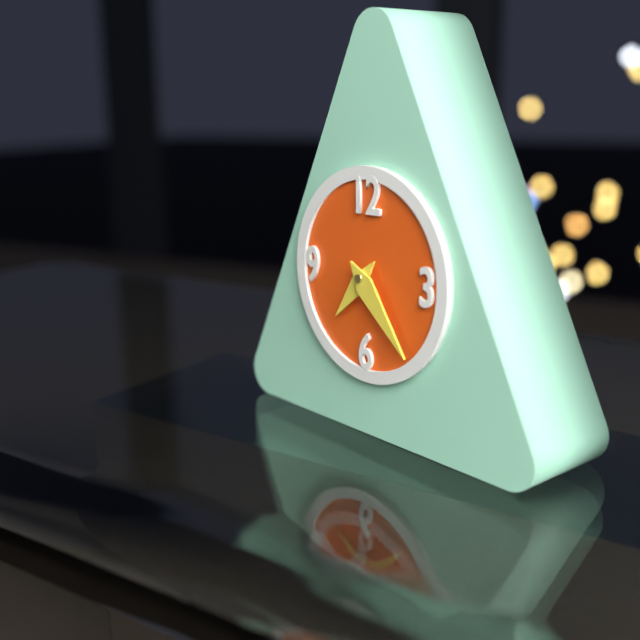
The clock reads 7,23
